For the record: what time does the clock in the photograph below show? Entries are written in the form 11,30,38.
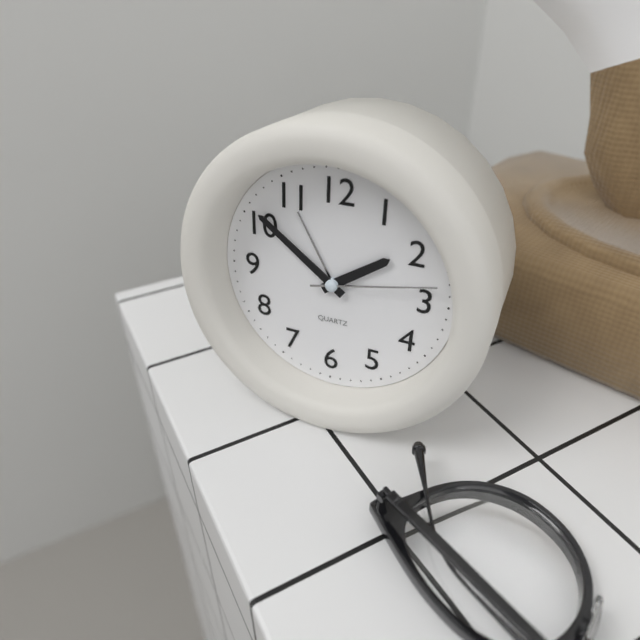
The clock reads 1,51,13
